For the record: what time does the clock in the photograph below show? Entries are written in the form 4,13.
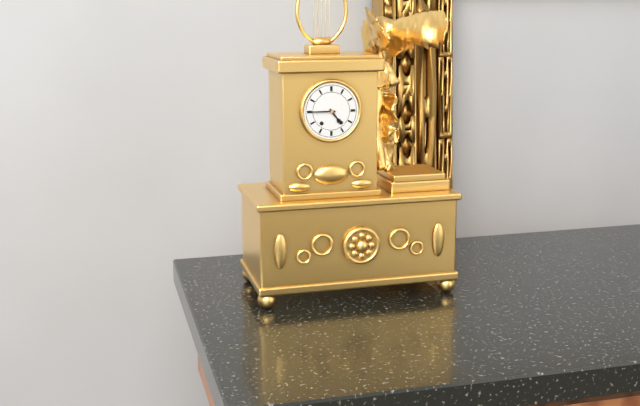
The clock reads 4,45
